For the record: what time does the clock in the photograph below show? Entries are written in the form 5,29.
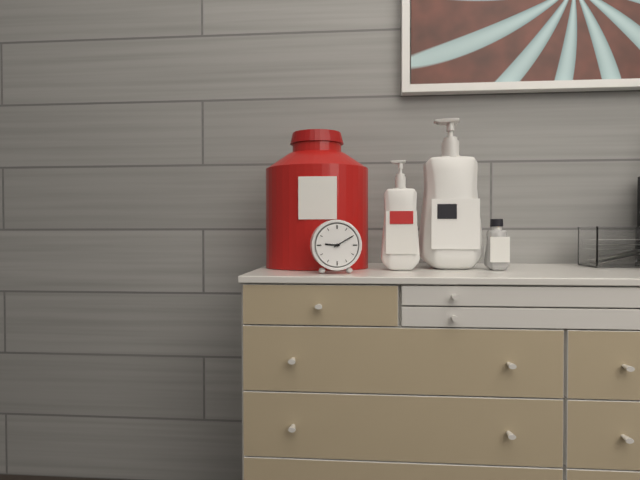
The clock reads 9,10
